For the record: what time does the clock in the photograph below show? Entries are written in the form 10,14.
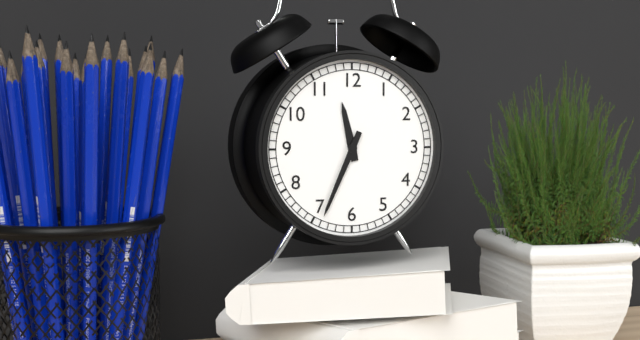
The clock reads 11,34
